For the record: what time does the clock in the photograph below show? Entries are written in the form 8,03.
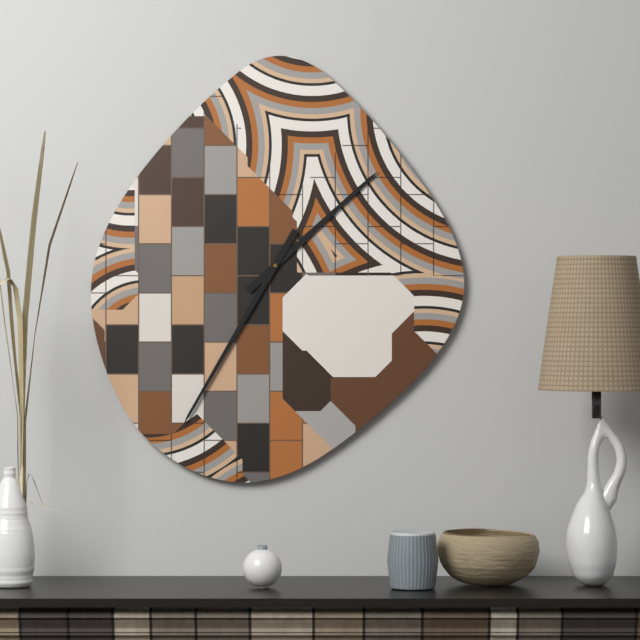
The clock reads 1,35
